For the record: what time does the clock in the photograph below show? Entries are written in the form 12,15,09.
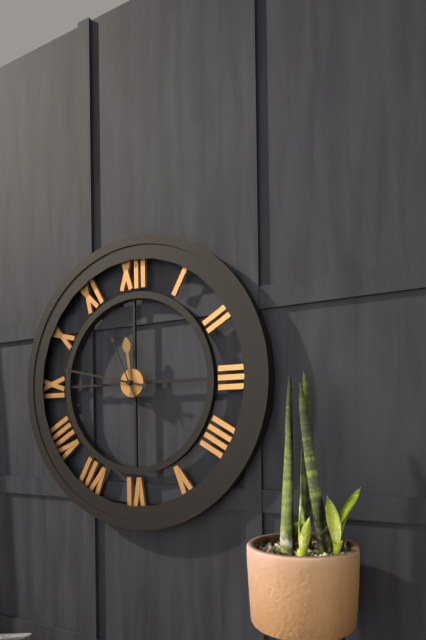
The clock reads 11,47,56
